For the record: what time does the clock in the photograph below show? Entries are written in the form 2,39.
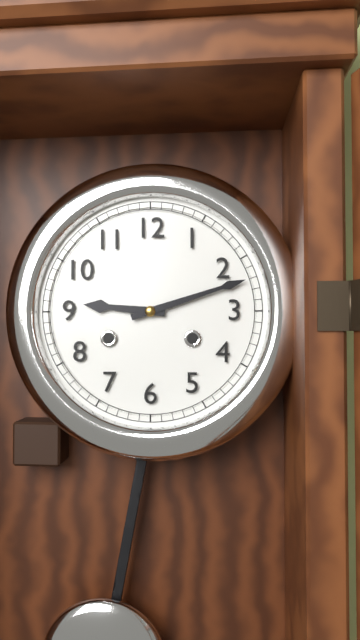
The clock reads 9,12
